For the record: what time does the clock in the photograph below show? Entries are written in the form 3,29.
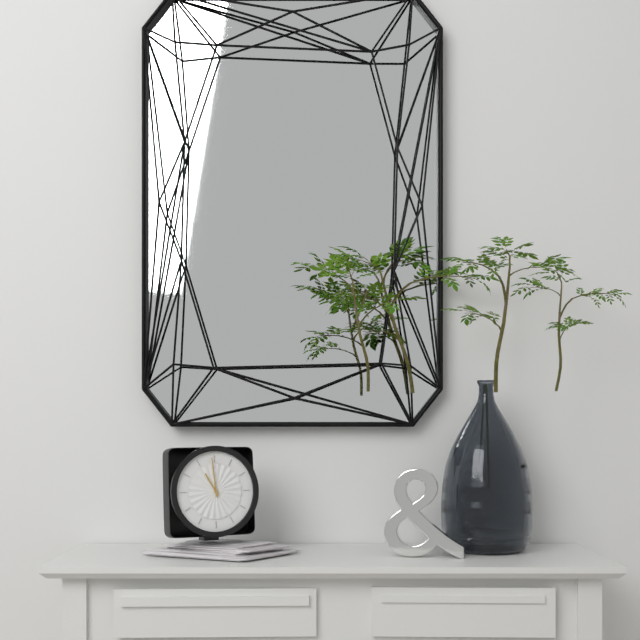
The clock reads 10,59
